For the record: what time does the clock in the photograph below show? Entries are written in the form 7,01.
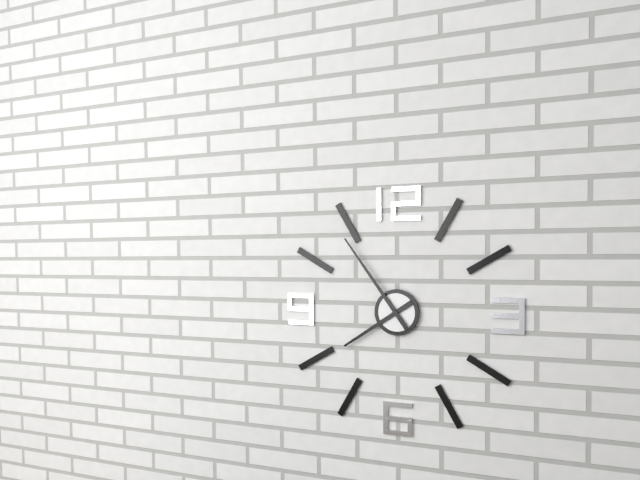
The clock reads 7,54
